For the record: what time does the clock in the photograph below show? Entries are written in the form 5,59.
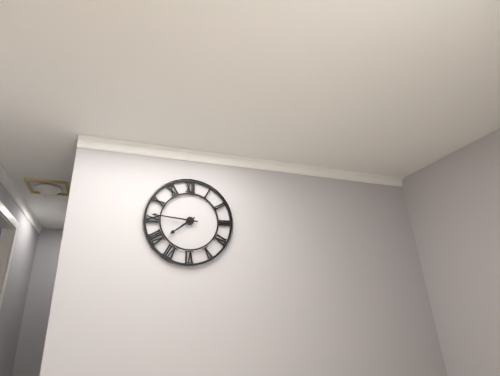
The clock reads 7,46
